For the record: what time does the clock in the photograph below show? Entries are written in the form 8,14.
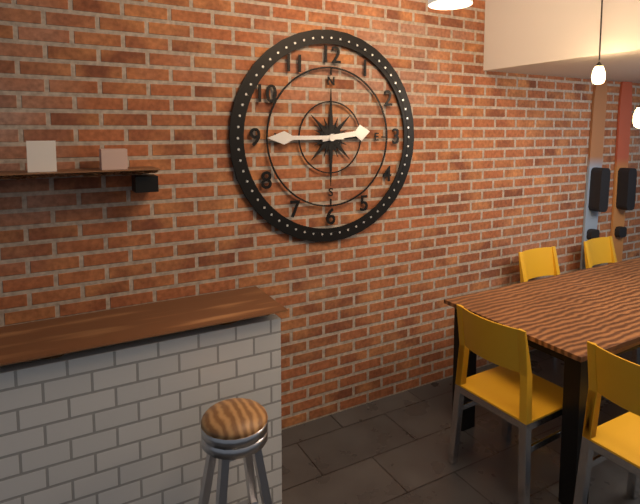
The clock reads 2,45
